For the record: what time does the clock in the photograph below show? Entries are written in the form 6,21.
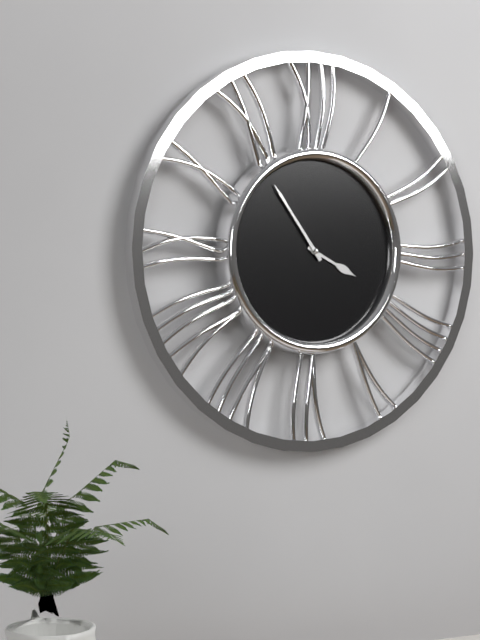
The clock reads 3,54
